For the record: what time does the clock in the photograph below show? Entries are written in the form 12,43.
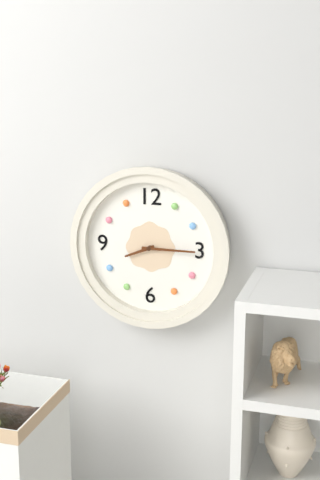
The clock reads 8,15
